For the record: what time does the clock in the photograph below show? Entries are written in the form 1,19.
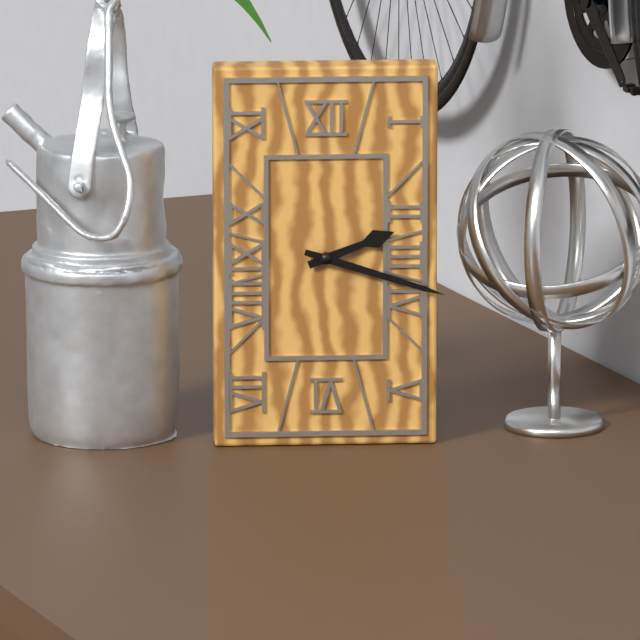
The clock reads 2,18
